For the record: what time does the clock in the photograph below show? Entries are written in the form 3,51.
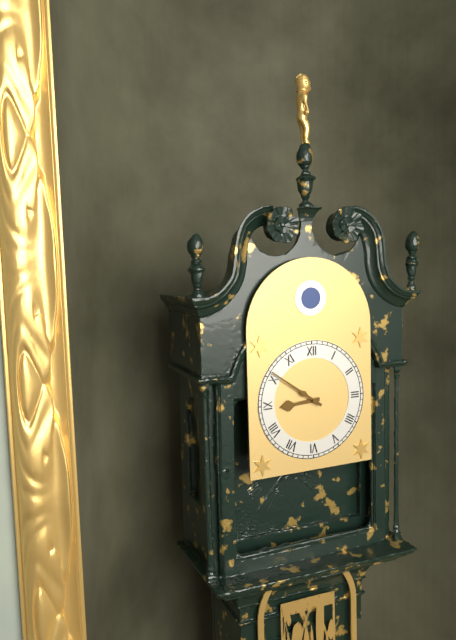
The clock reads 8,51
